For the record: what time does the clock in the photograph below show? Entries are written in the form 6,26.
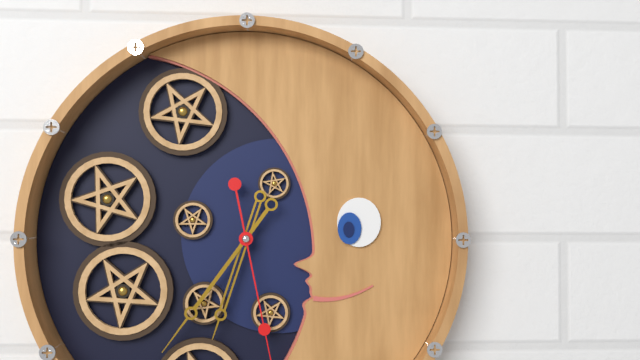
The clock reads 6,36
